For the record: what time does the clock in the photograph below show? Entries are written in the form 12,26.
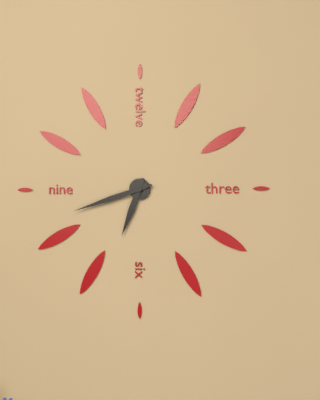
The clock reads 6,42
